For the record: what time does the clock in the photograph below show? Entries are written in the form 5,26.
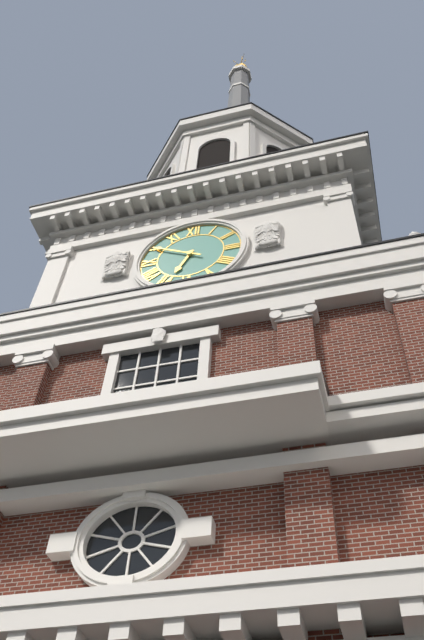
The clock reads 6,50
